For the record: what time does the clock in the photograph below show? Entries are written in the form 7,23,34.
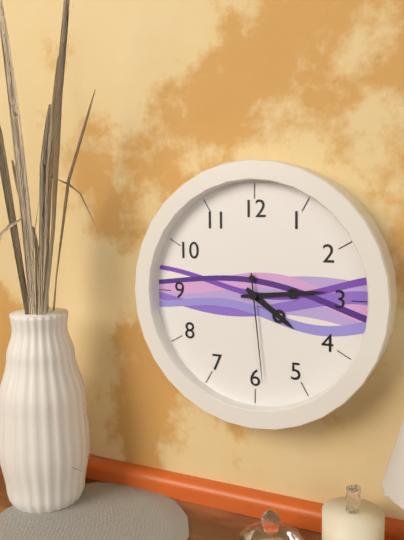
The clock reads 4,14,29
